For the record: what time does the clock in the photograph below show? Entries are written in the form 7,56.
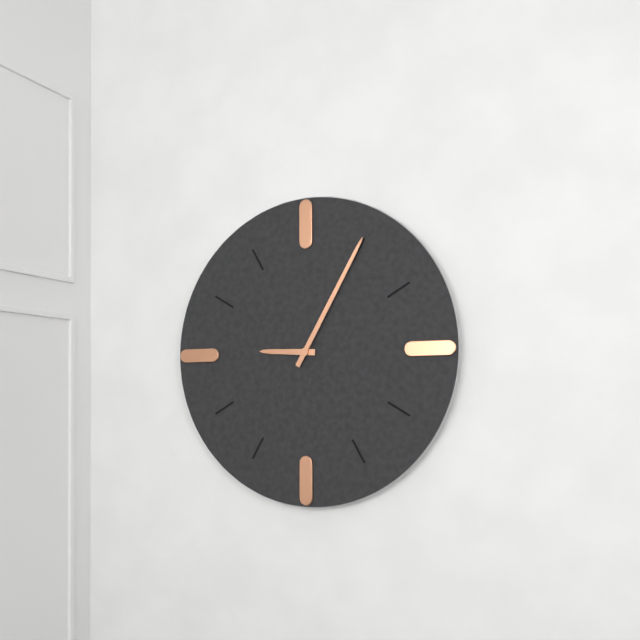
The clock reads 9,05
